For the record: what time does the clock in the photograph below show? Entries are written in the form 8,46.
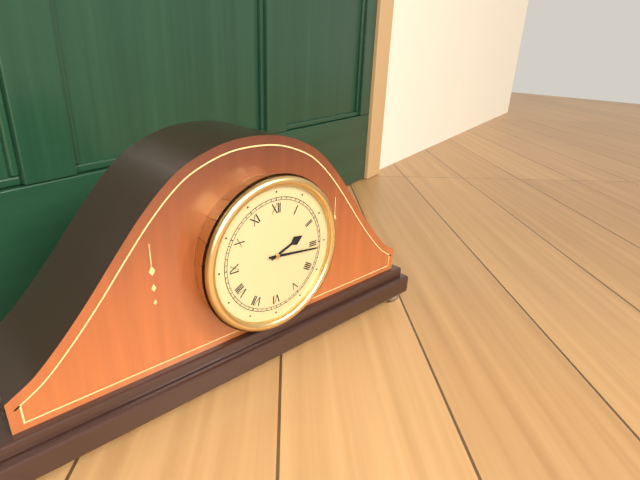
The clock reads 2,16
